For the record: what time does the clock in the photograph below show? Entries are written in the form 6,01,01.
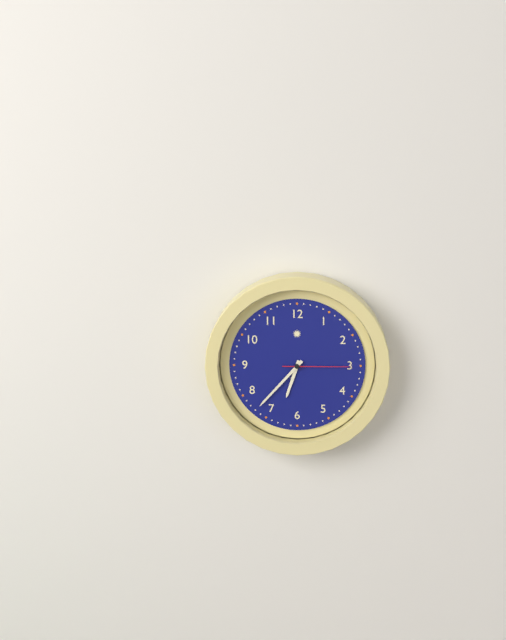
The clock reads 6,37,15
